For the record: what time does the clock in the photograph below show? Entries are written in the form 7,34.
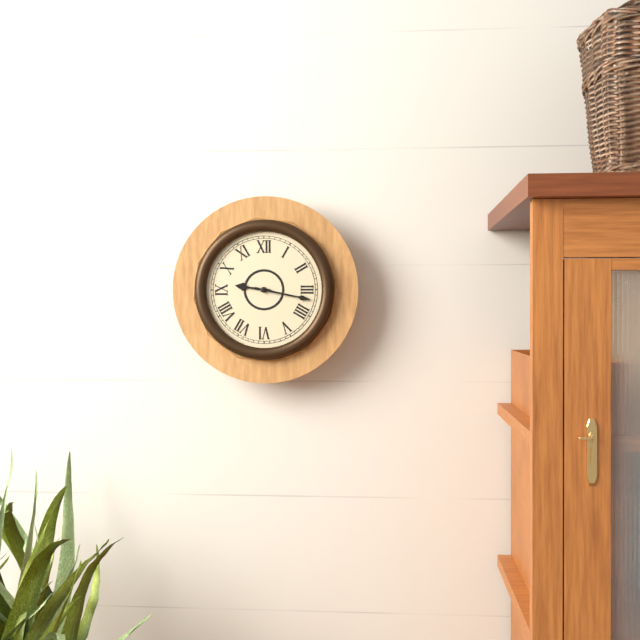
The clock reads 9,17
